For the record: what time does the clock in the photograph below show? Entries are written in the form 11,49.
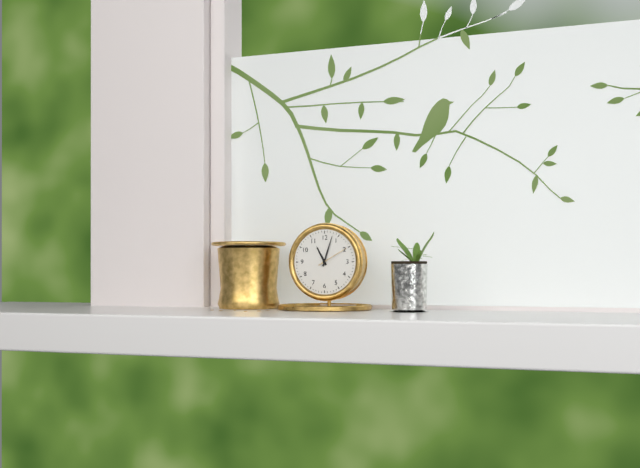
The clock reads 11,03
